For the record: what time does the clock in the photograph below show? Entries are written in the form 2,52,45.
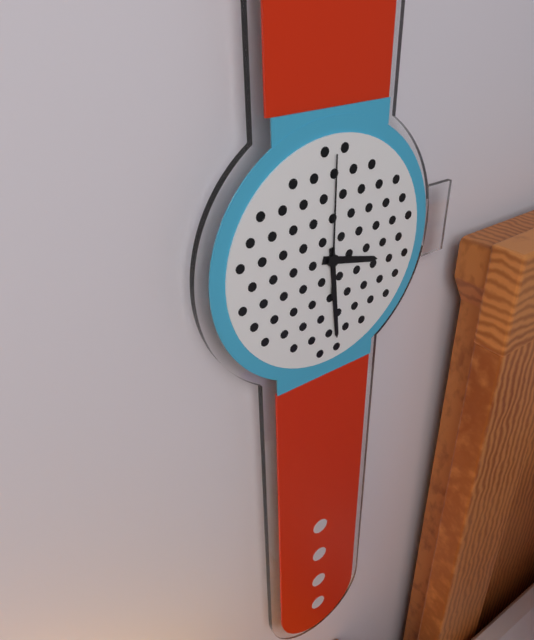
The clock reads 3,29,00
